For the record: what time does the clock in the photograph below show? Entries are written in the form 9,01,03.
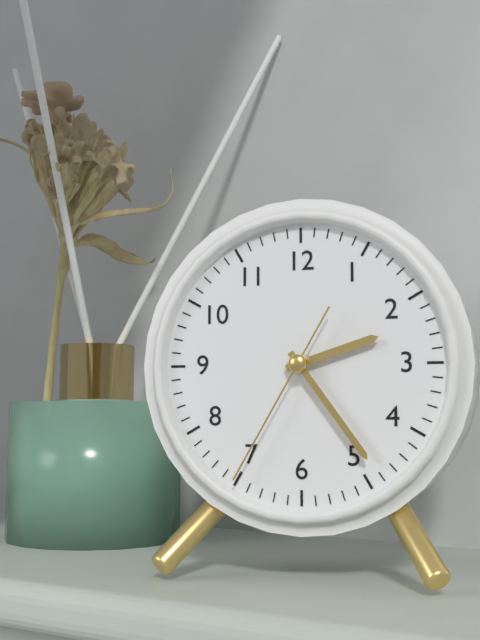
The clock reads 2,24,35
